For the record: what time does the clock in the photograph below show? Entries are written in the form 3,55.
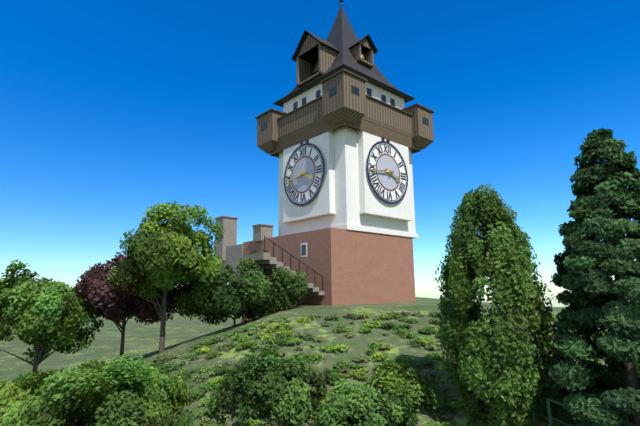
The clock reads 3,44
